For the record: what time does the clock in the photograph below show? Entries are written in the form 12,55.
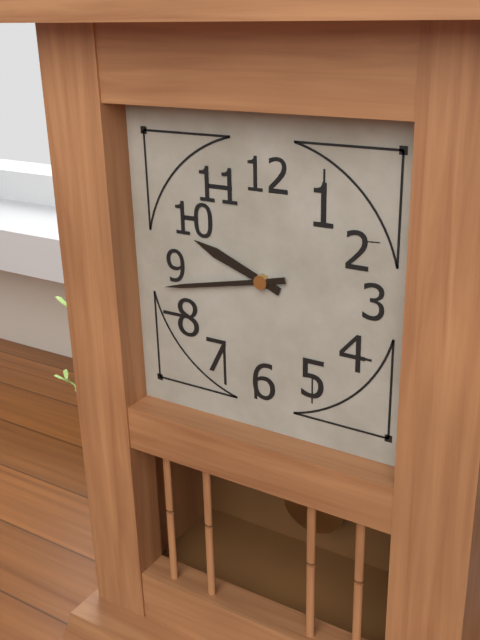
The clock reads 9,43
